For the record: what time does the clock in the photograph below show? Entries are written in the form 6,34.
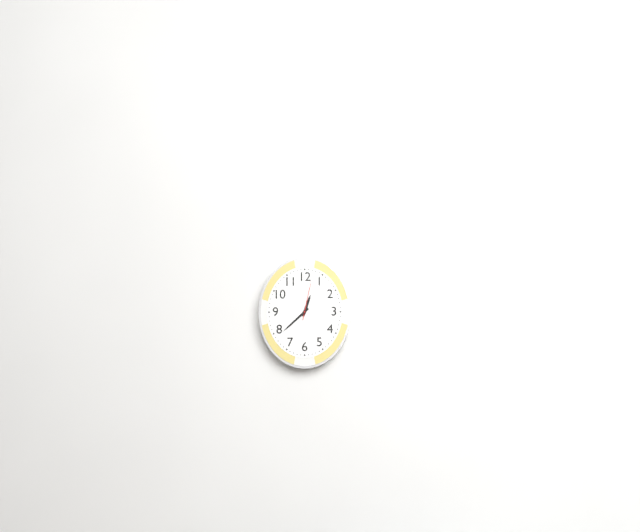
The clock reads 12,38
